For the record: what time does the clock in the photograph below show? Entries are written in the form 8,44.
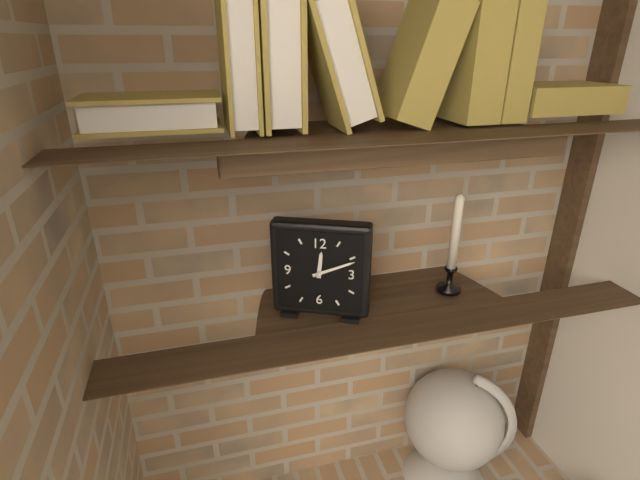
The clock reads 12,11
